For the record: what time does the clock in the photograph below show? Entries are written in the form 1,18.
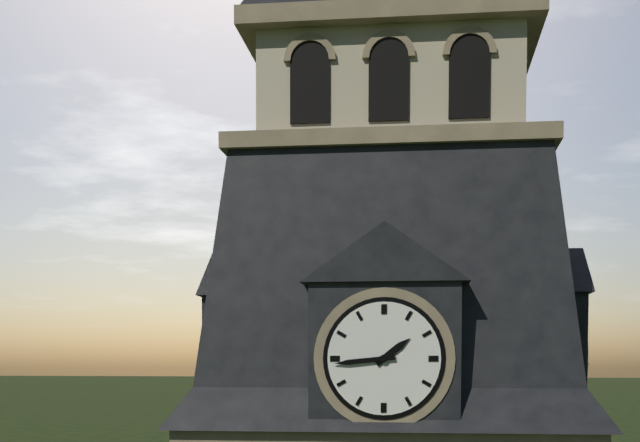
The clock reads 1,44
